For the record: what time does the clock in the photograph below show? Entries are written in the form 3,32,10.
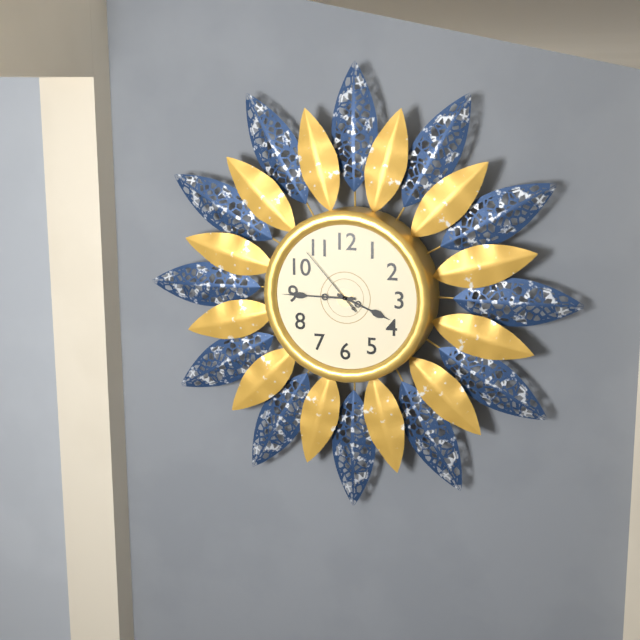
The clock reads 3,45,53
